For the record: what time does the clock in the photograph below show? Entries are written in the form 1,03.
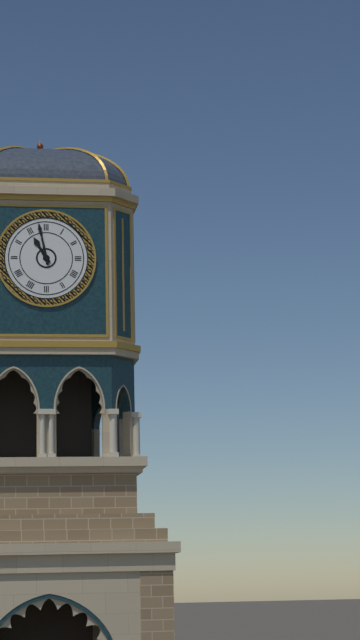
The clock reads 10,58
